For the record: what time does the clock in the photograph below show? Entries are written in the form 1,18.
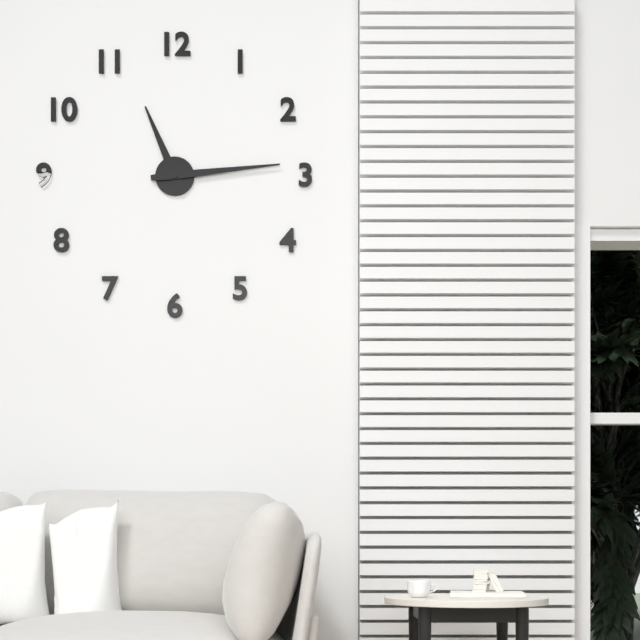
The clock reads 11,14
